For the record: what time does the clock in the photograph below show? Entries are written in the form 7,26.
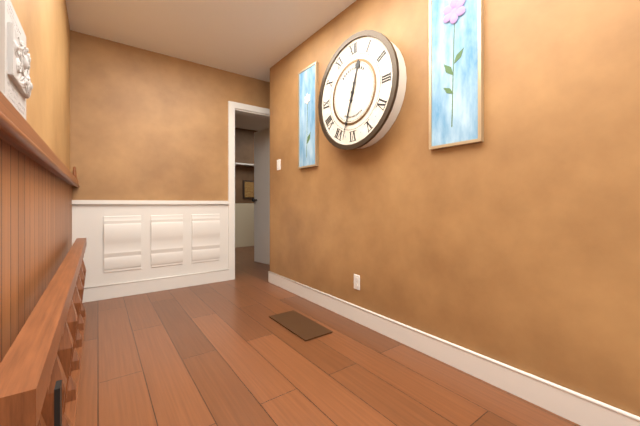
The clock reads 12,33
